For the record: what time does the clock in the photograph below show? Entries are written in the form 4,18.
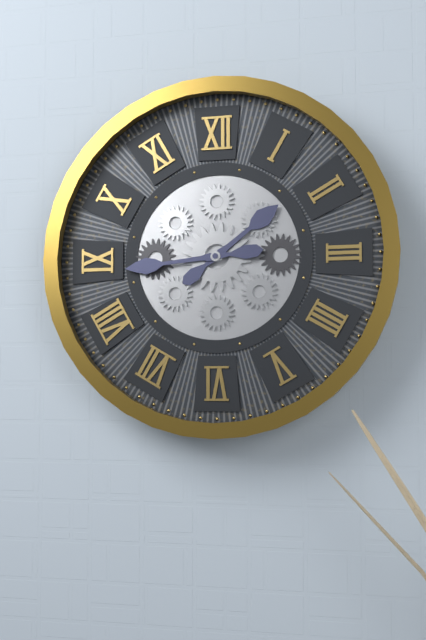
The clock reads 1,44
